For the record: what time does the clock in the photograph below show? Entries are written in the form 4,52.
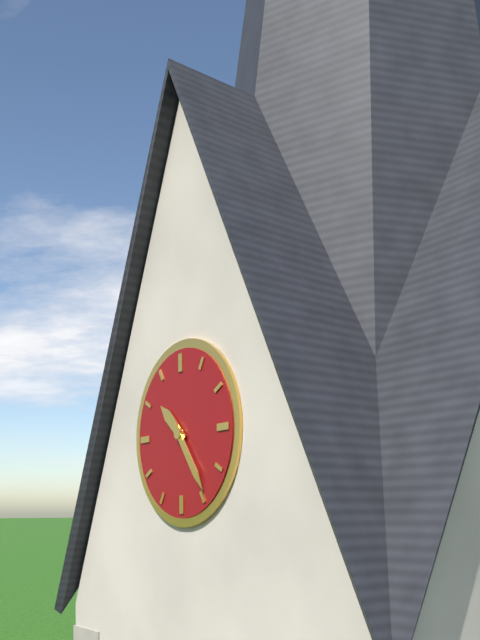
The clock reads 10,24
